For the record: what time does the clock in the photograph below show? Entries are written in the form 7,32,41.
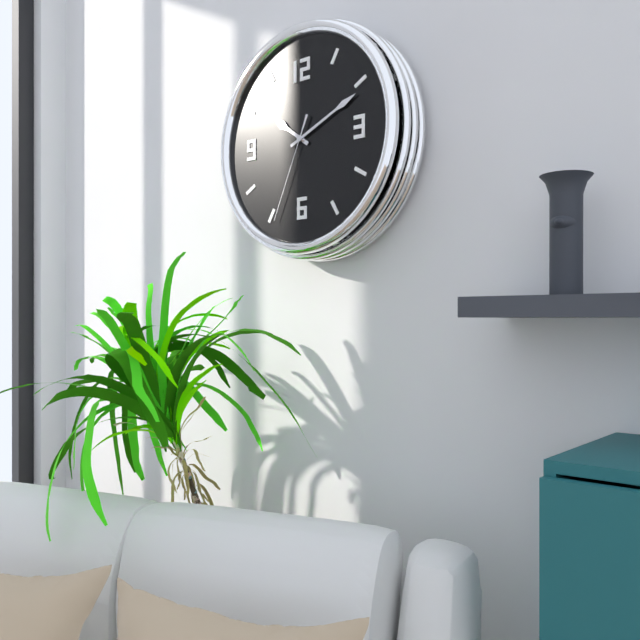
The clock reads 10,11,34
